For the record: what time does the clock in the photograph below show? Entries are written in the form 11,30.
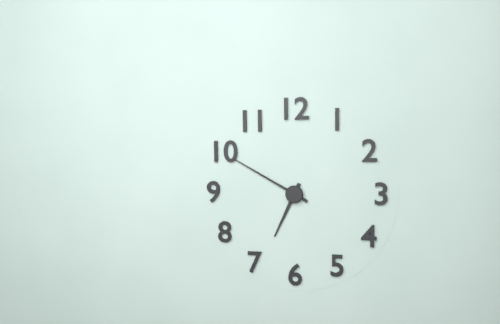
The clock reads 6,50
